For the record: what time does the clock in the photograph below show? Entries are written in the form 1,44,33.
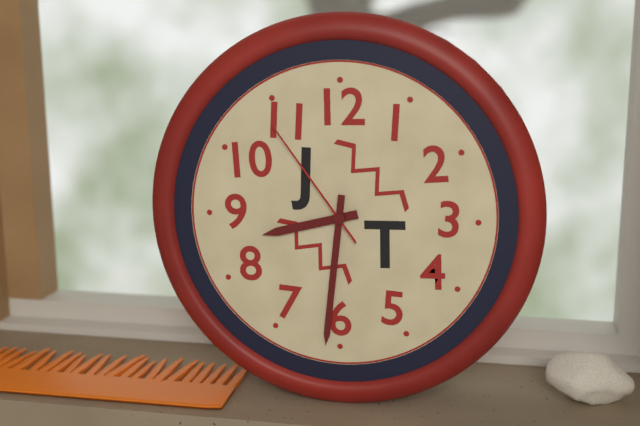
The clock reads 8,31,54
